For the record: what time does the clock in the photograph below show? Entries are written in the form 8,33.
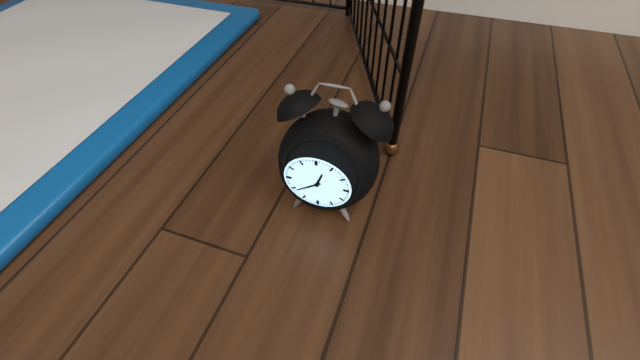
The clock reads 12,39
